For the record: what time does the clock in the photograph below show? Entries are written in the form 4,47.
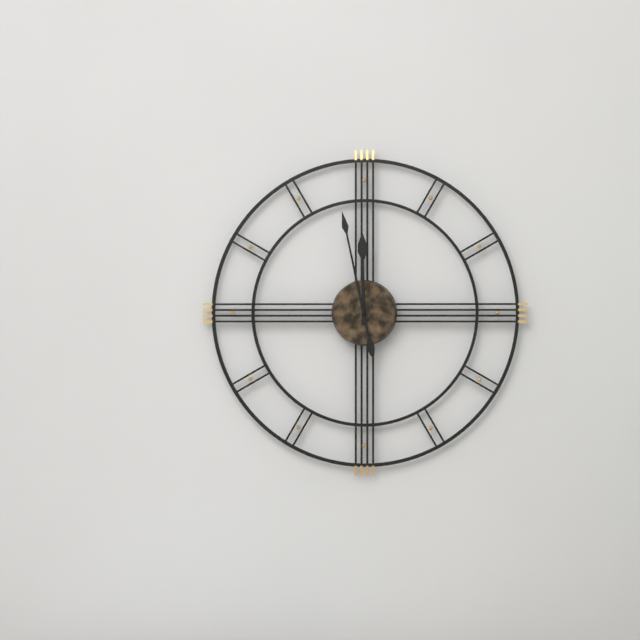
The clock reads 11,58
